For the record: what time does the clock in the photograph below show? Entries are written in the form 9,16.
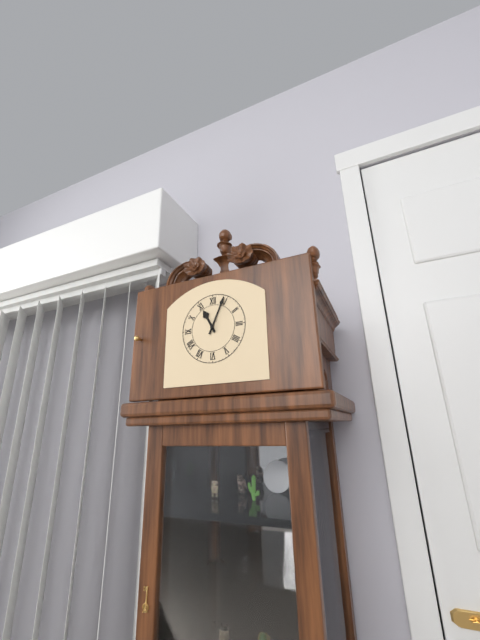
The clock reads 11,04
